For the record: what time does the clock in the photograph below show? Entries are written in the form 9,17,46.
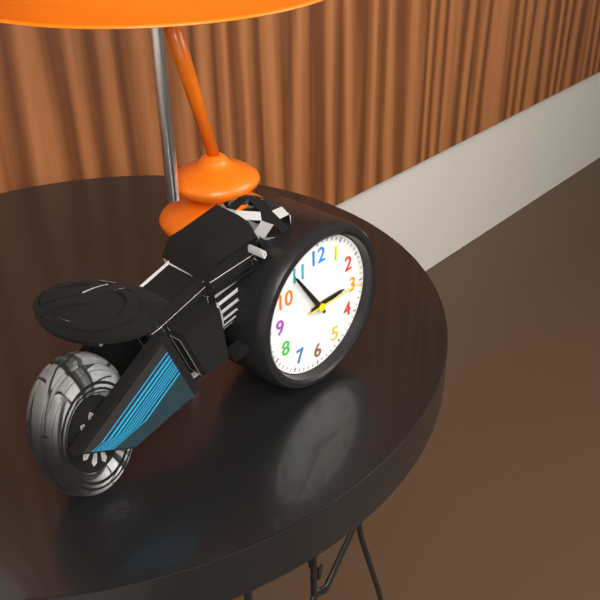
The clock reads 2,54,15
